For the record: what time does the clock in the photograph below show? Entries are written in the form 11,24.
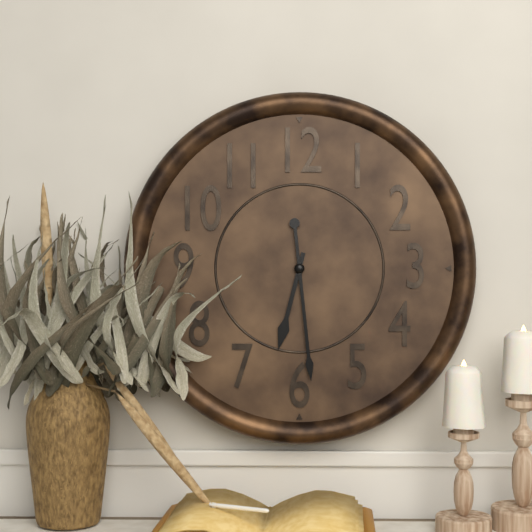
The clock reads 6,29
